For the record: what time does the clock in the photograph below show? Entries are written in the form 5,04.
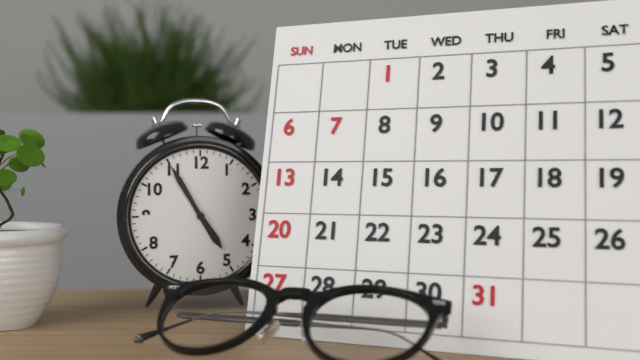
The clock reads 4,55
